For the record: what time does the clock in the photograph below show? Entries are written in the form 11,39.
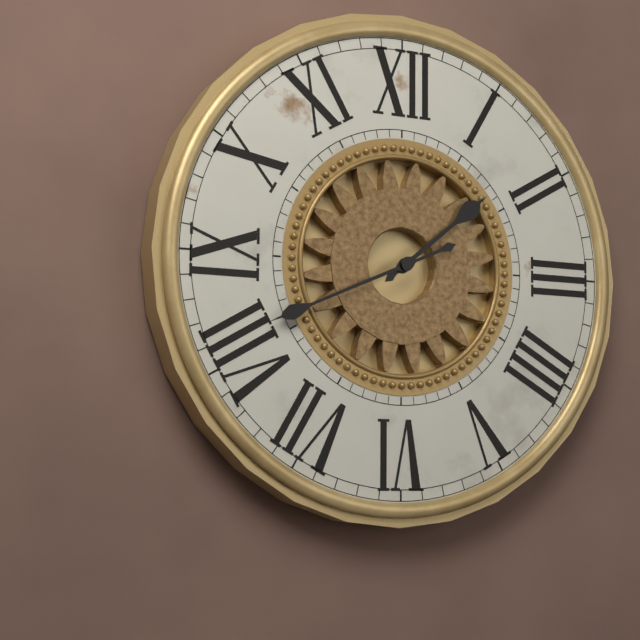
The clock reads 1,41
